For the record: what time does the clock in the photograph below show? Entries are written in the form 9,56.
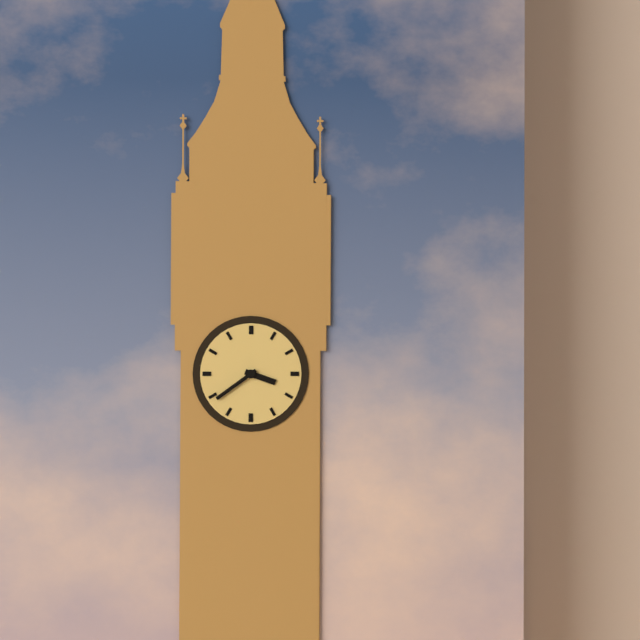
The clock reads 3,39
